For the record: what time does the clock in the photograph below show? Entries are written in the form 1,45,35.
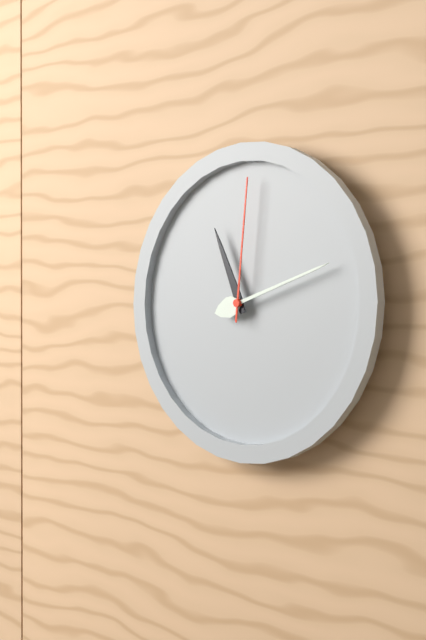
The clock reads 11,12,01
